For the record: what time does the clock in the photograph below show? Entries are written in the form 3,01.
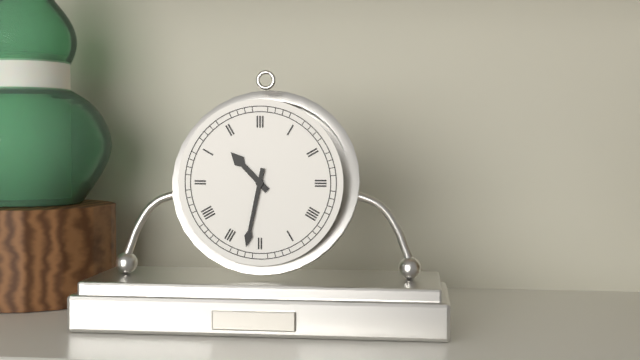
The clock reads 10,32
